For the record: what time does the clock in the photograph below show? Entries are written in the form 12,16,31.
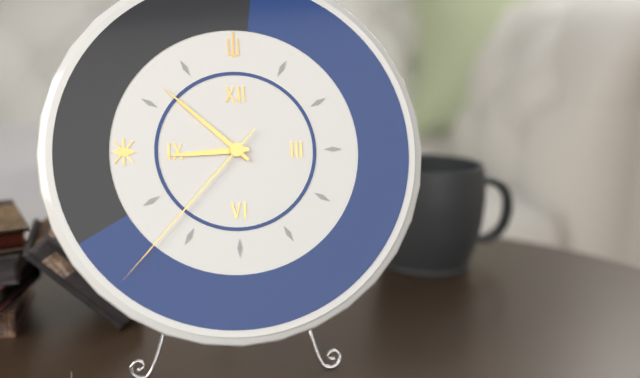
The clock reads 8,52,37
